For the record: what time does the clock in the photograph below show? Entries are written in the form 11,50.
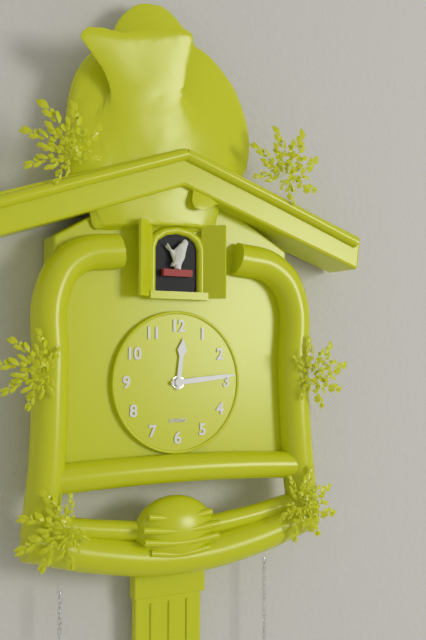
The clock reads 12,14
